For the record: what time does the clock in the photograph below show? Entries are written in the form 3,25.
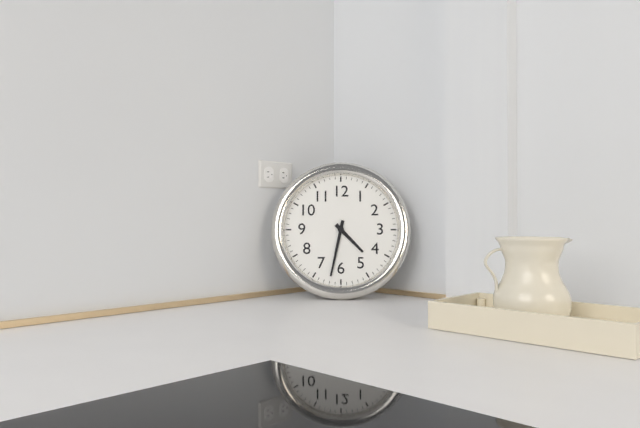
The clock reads 4,32
